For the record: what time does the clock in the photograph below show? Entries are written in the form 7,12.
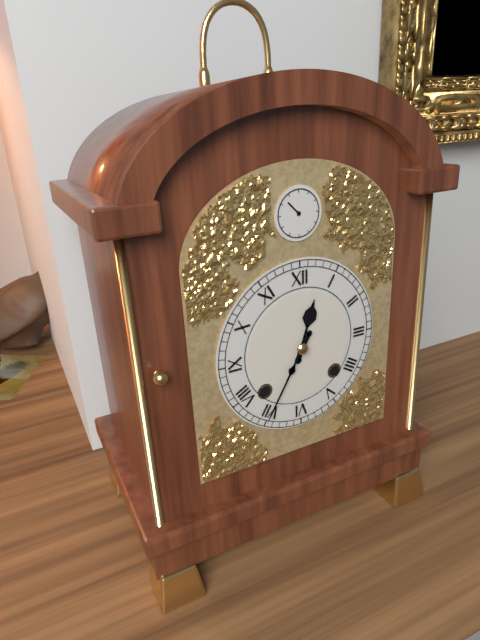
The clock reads 12,35
